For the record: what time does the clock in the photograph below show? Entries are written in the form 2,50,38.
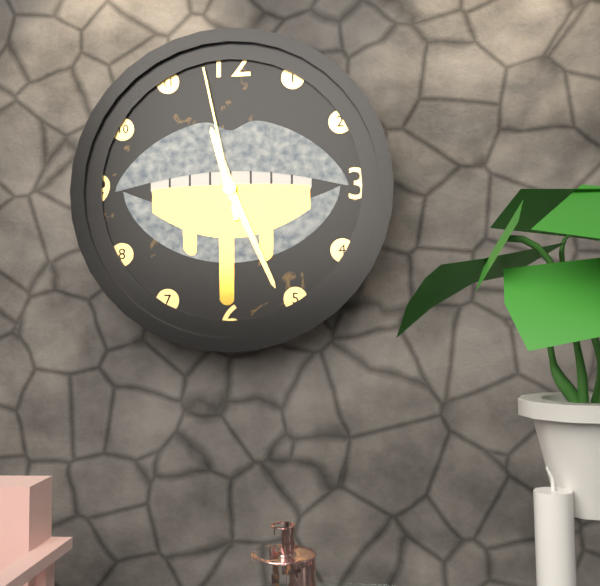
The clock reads 11,26,58
